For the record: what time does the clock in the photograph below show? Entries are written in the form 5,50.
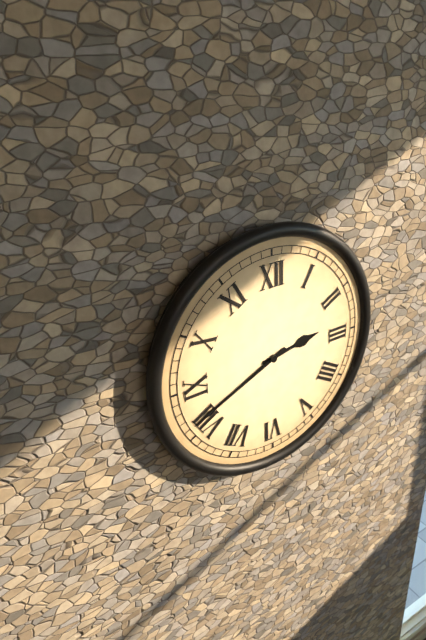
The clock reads 2,41
